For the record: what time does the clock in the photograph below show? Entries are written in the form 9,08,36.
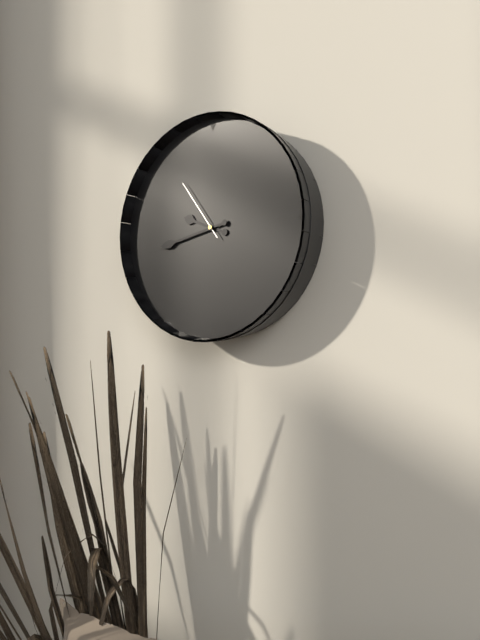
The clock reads 9,43,54
